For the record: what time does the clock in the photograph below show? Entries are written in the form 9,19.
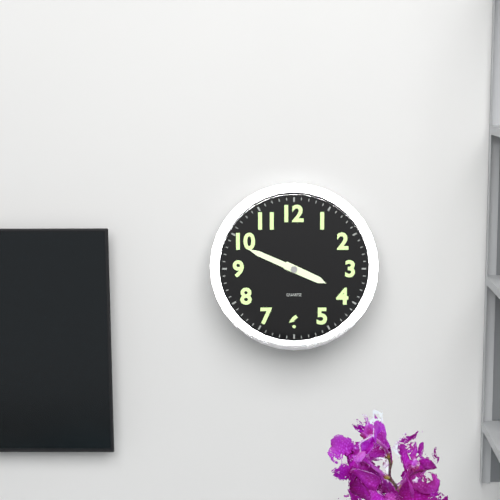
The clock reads 3,49
